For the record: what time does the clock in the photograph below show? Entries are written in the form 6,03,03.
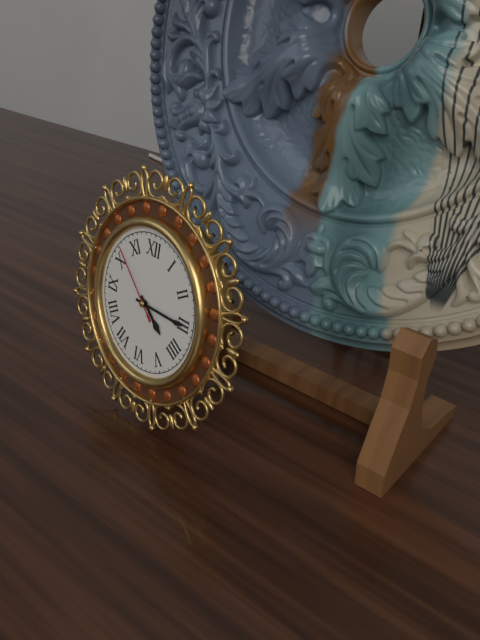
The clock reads 4,15,52
